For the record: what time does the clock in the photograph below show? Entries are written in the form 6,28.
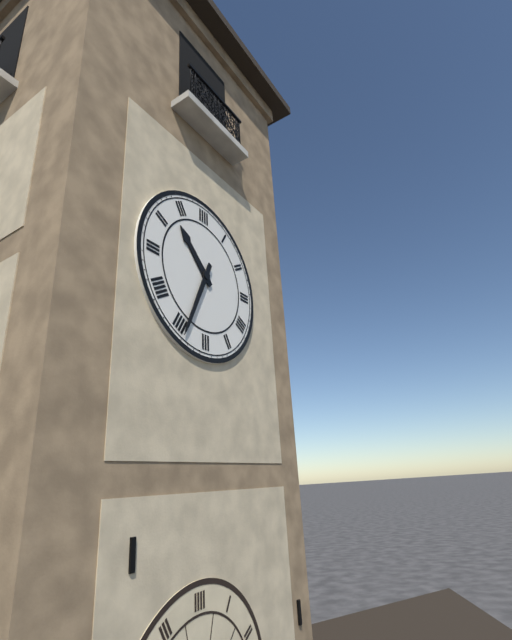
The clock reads 10,34
